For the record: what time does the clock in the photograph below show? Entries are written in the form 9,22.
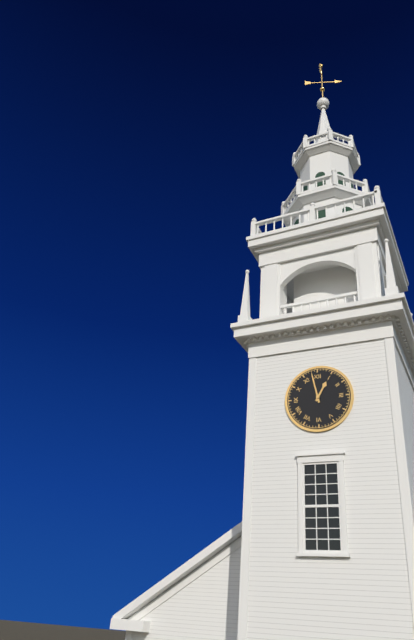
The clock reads 12,58
